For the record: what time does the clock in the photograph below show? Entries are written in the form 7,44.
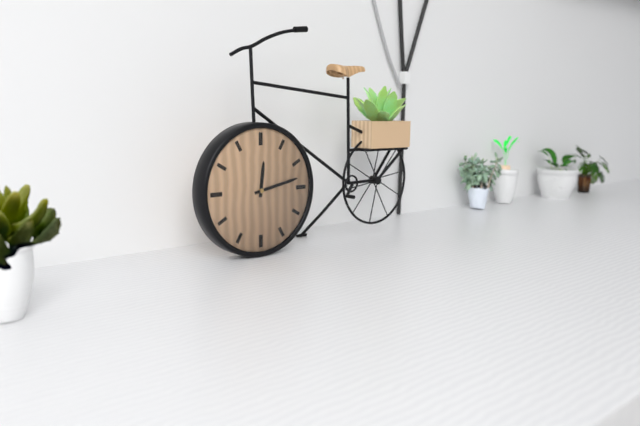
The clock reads 12,13
